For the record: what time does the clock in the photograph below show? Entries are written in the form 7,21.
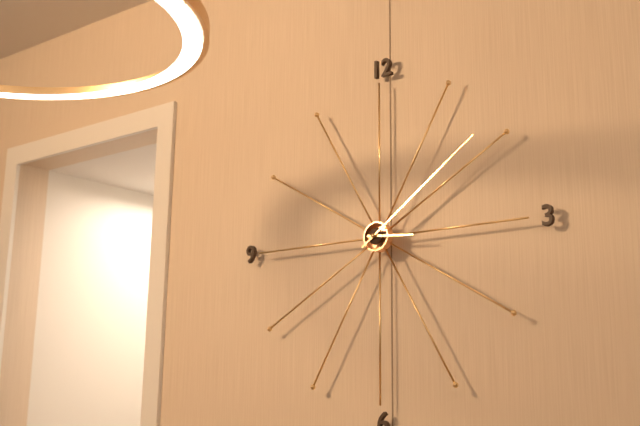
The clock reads 3,09
